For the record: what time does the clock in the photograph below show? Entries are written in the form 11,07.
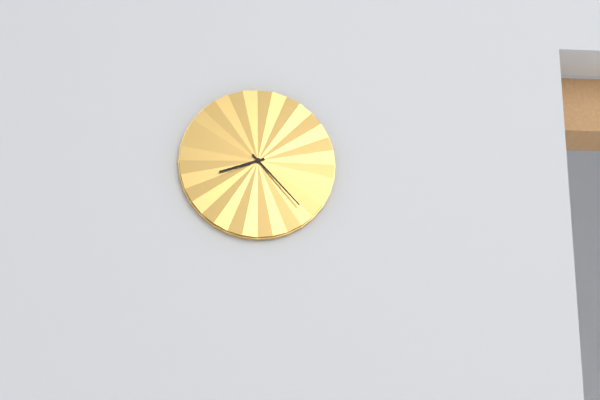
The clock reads 8,23
